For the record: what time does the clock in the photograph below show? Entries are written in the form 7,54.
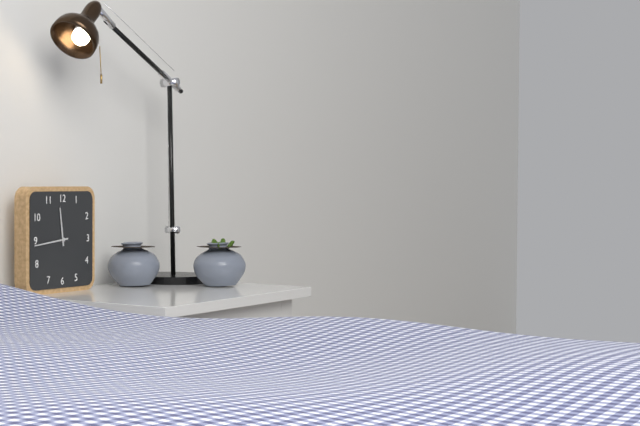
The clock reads 11,44
